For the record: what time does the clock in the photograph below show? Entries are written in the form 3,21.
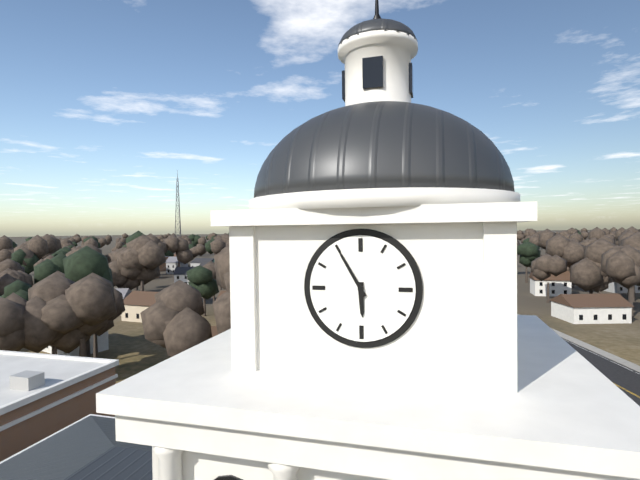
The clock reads 5,55
